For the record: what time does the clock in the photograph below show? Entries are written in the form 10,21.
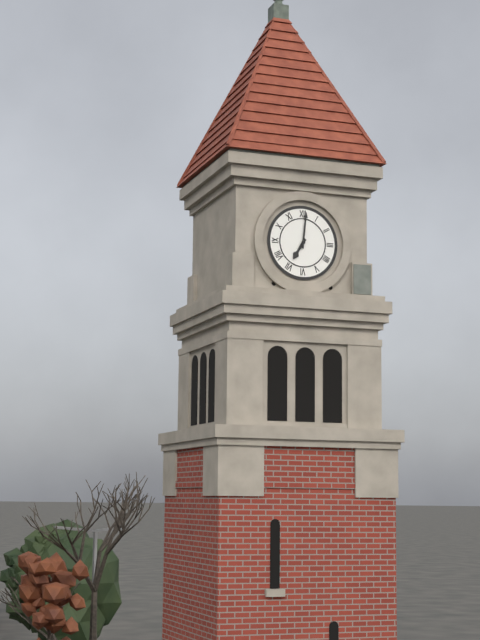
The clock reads 7,01
